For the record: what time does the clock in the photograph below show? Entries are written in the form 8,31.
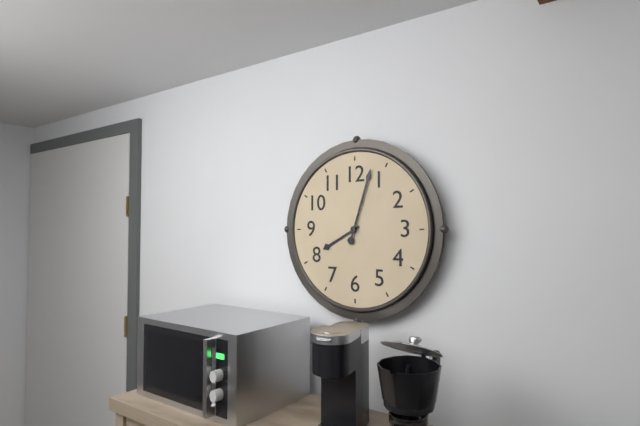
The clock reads 8,03
